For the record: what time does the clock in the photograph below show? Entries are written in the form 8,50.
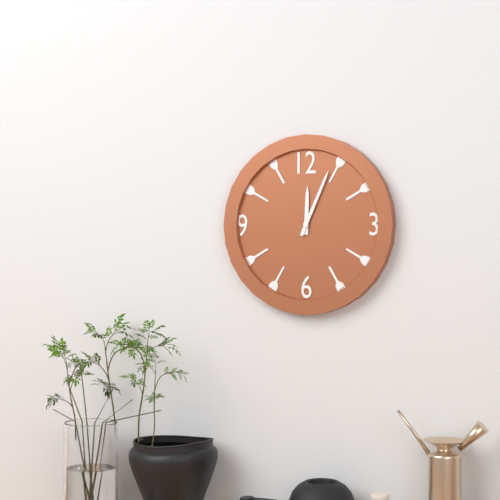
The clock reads 12,04
